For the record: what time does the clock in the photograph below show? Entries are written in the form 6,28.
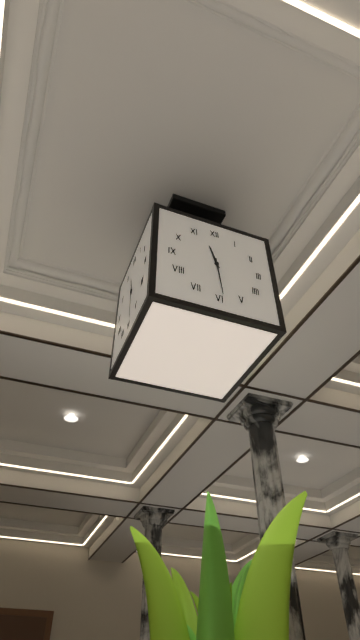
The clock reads 11,29
